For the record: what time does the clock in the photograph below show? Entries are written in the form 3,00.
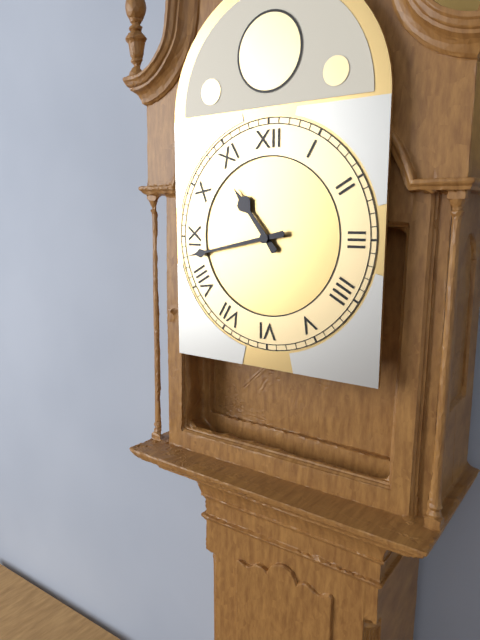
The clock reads 10,43
